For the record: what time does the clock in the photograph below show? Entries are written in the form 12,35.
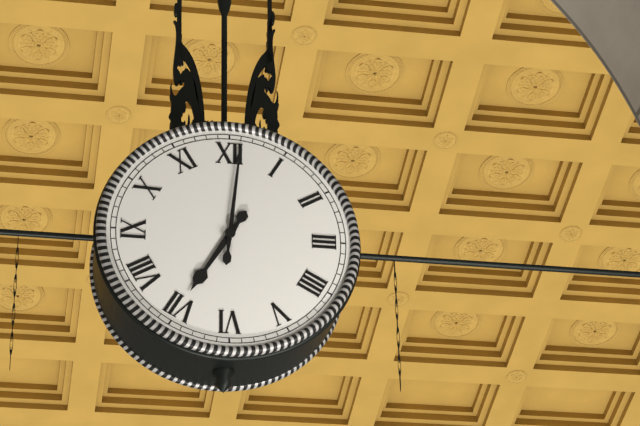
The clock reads 7,01
